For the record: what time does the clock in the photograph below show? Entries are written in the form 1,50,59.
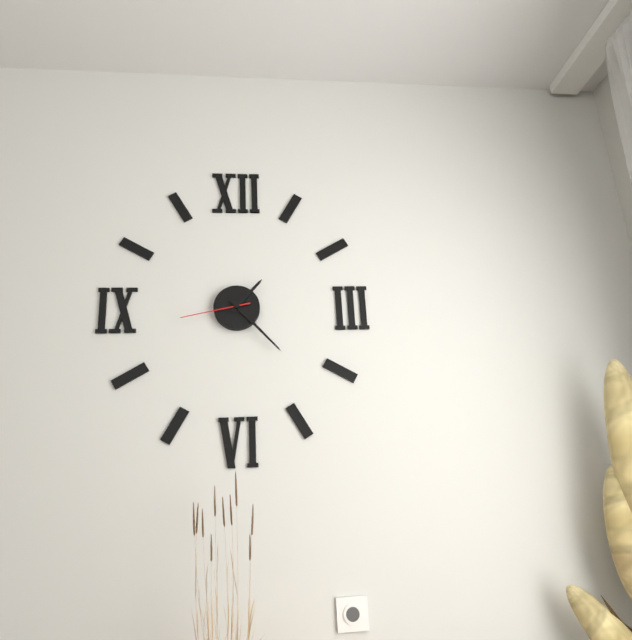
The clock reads 1,23,43
